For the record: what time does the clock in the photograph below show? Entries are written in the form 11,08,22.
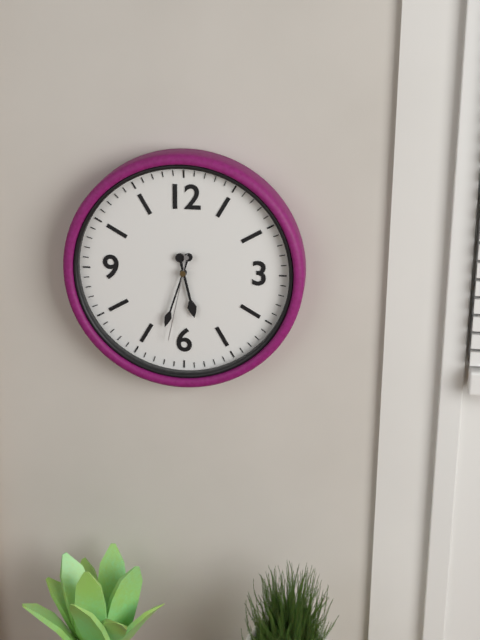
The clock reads 5,33,32
